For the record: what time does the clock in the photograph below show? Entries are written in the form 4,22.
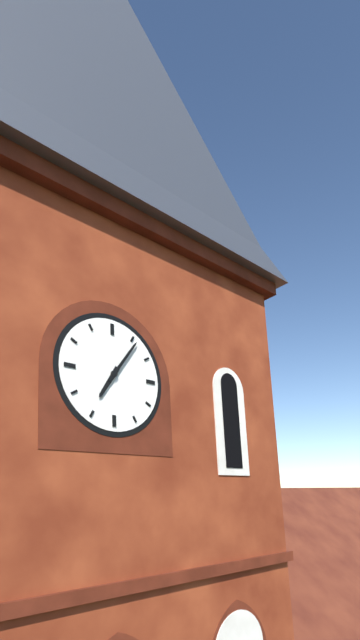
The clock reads 7,06
